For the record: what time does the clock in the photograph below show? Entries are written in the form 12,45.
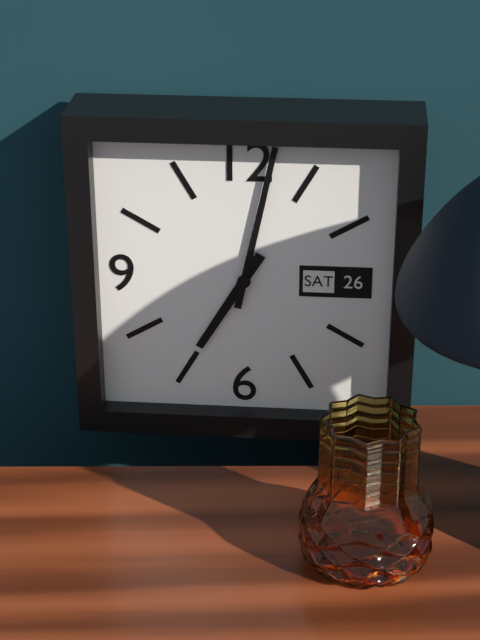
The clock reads 7,02
